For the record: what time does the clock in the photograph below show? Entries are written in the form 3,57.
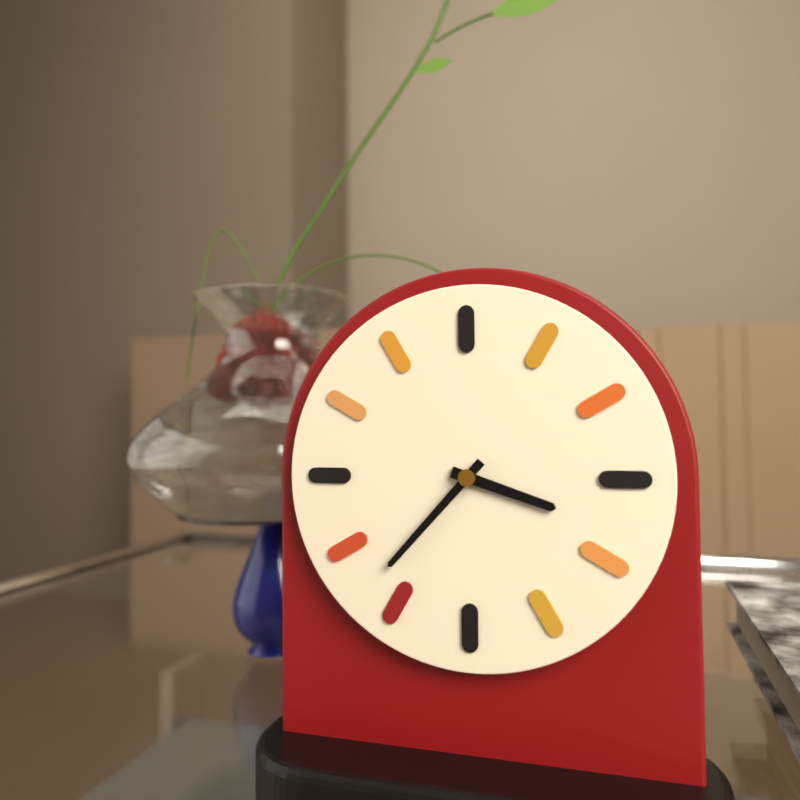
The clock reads 3,37
